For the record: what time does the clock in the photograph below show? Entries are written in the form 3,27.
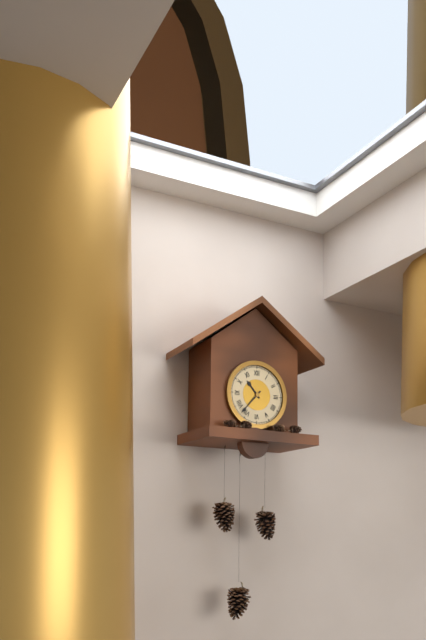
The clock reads 10,37
